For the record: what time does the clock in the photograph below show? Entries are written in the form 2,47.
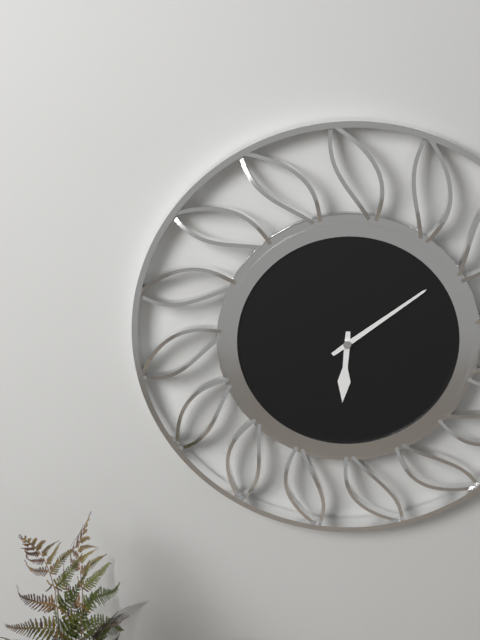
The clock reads 6,09
